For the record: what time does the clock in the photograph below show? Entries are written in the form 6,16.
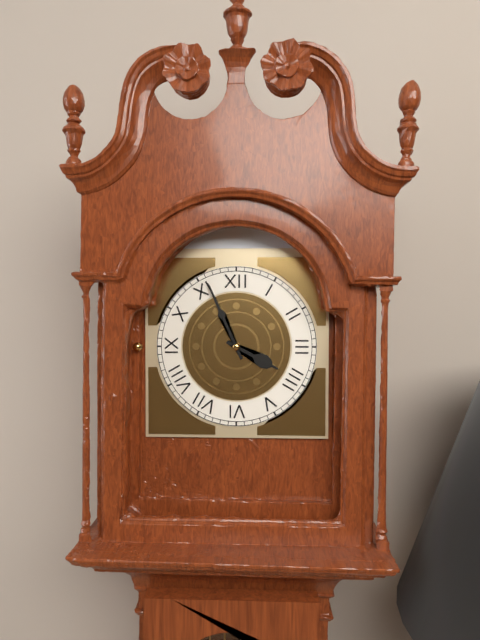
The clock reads 3,56
